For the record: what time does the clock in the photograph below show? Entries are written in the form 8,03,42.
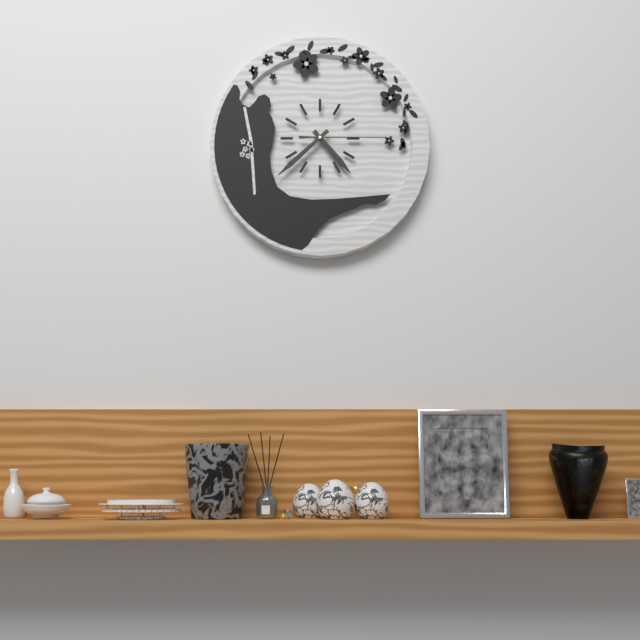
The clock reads 4,38,15
